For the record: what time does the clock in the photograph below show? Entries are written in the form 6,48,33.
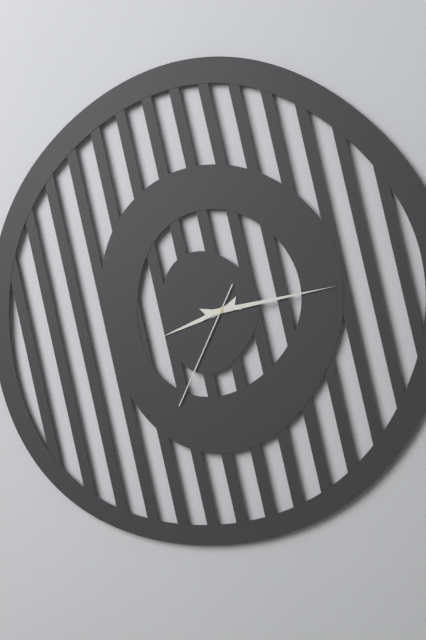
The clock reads 8,13,34
